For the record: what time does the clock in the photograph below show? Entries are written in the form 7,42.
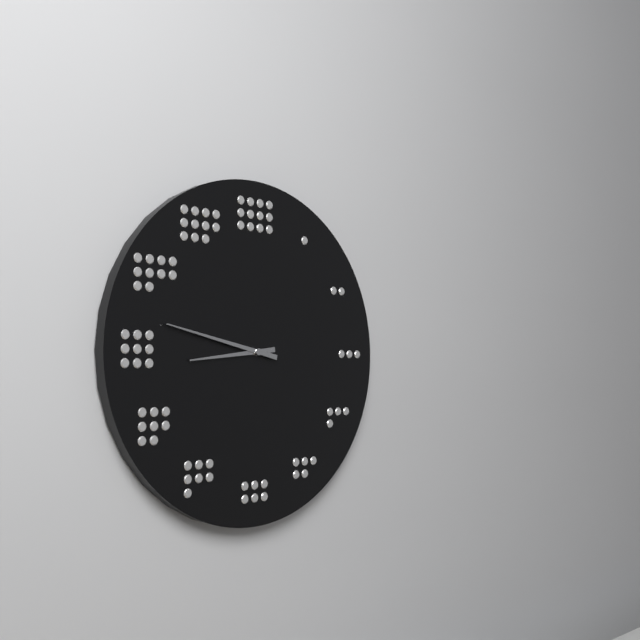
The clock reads 8,47
